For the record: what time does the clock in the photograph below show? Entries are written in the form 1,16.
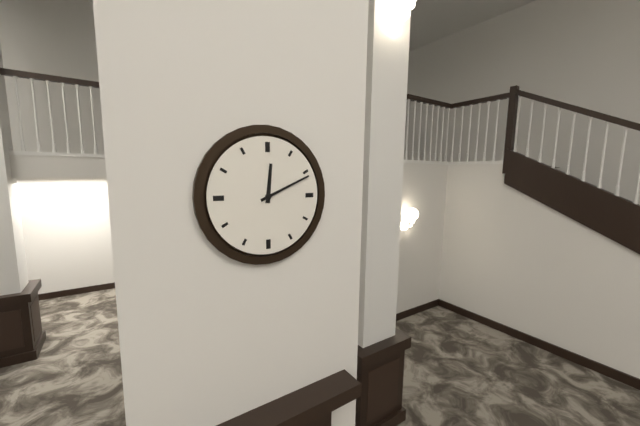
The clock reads 12,11
